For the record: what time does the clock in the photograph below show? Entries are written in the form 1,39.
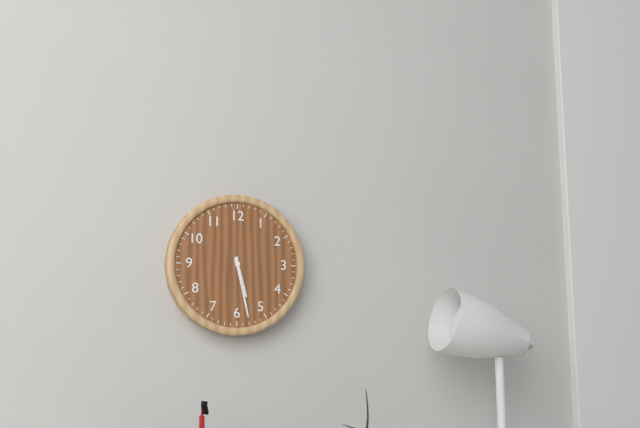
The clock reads 5,28
